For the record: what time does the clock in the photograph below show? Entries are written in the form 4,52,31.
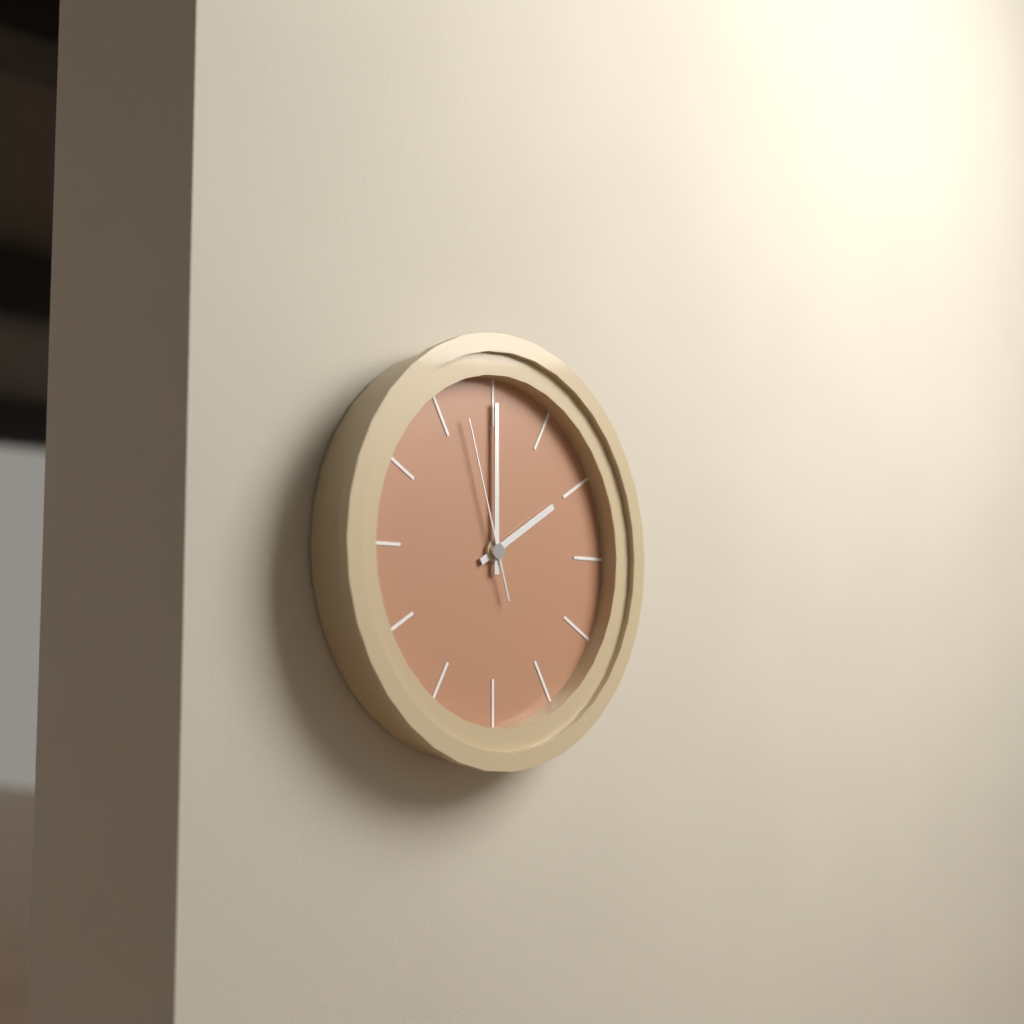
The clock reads 2,00,57
